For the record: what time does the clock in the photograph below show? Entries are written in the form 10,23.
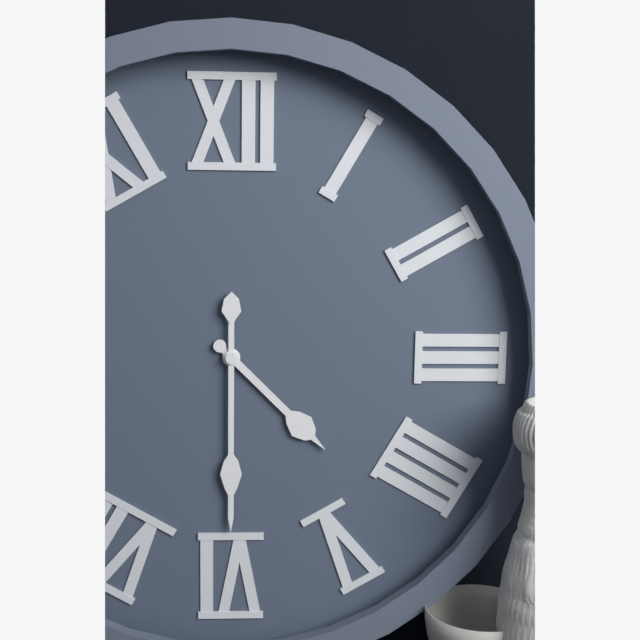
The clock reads 4,30
